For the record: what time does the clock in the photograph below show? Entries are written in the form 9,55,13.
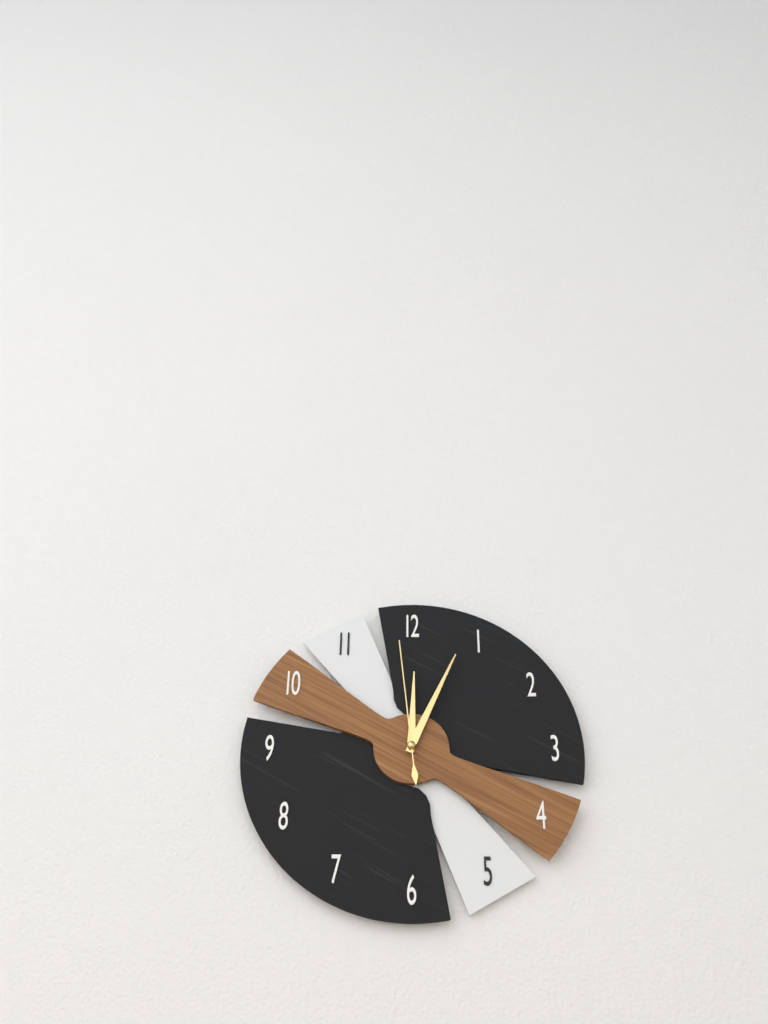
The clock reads 12,04,59
